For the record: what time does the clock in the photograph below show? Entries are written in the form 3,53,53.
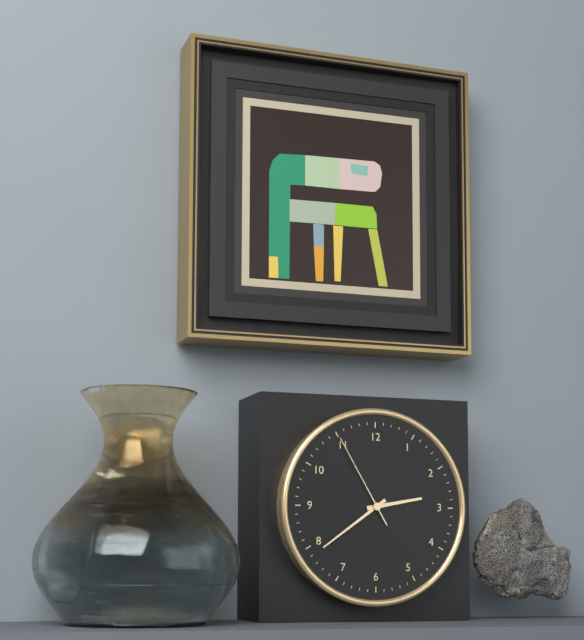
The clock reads 2,39,55
